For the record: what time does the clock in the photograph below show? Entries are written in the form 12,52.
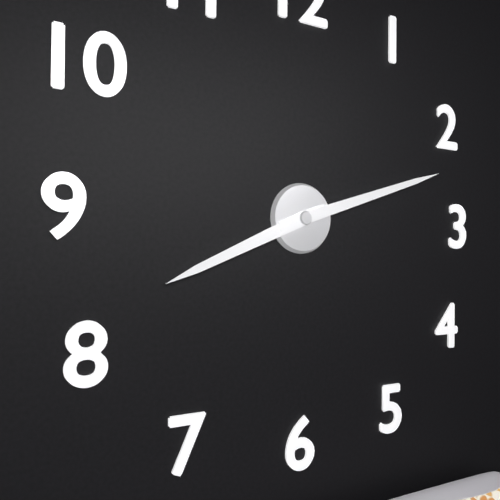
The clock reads 8,12
